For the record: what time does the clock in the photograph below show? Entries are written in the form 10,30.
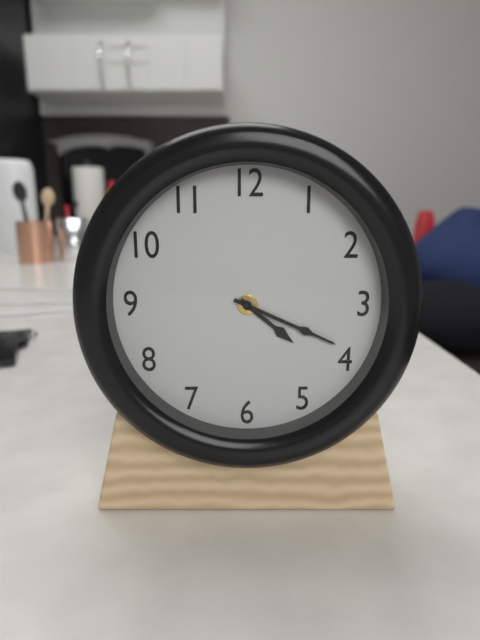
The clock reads 4,19
